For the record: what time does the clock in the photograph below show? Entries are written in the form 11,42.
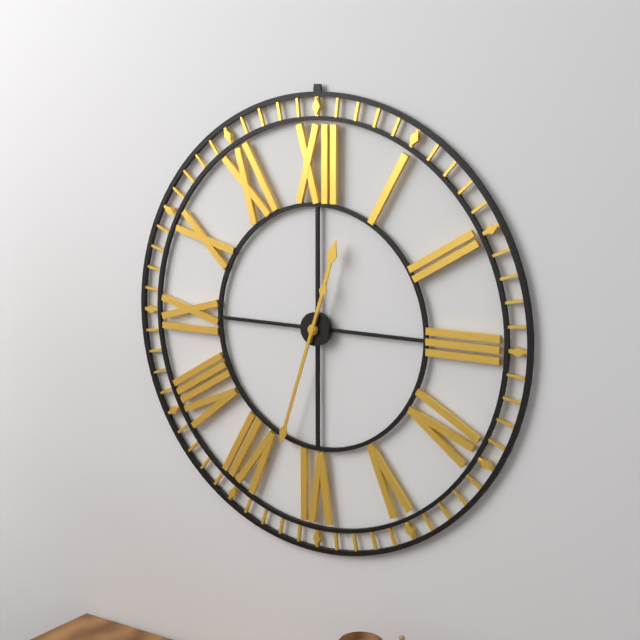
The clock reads 12,33
